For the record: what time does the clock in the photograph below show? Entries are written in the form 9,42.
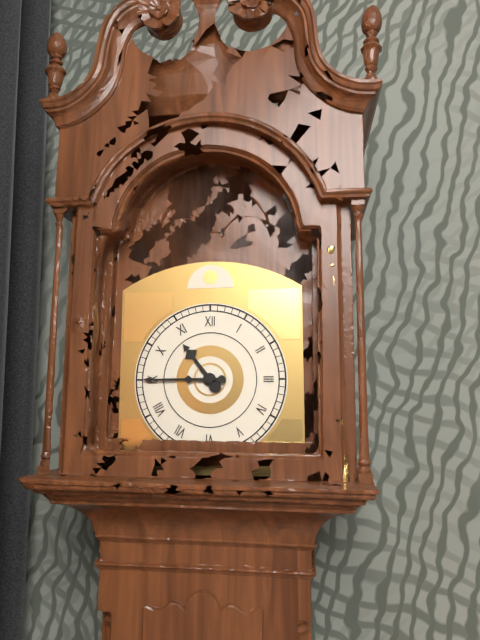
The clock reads 10,45
